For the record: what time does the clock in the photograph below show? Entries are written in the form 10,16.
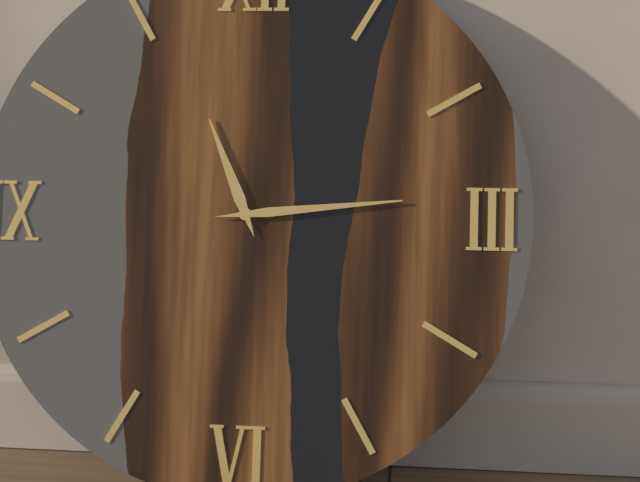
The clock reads 11,14
